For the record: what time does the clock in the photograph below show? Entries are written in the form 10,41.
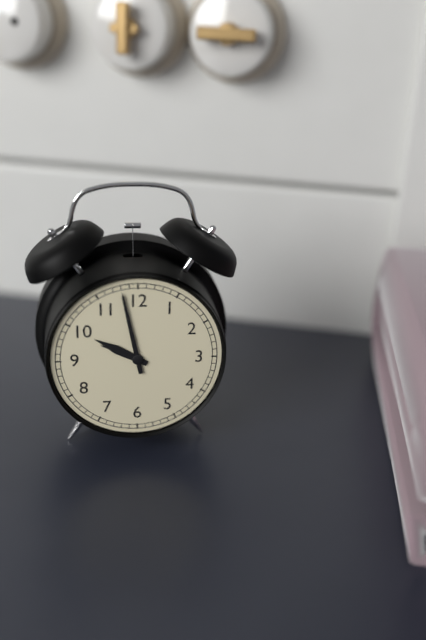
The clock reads 9,58
